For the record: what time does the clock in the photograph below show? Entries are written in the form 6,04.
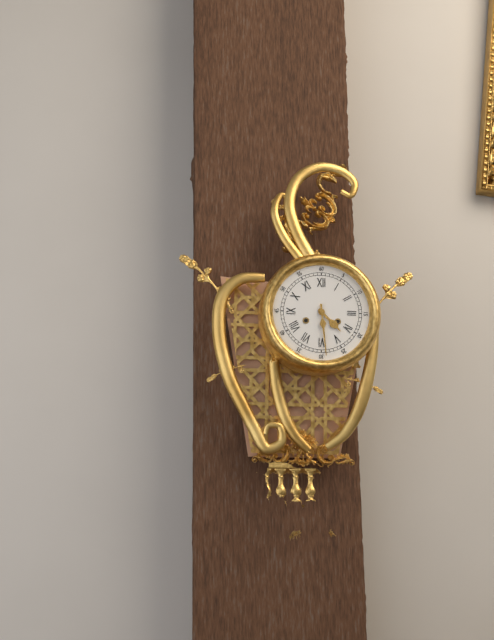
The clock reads 4,29
